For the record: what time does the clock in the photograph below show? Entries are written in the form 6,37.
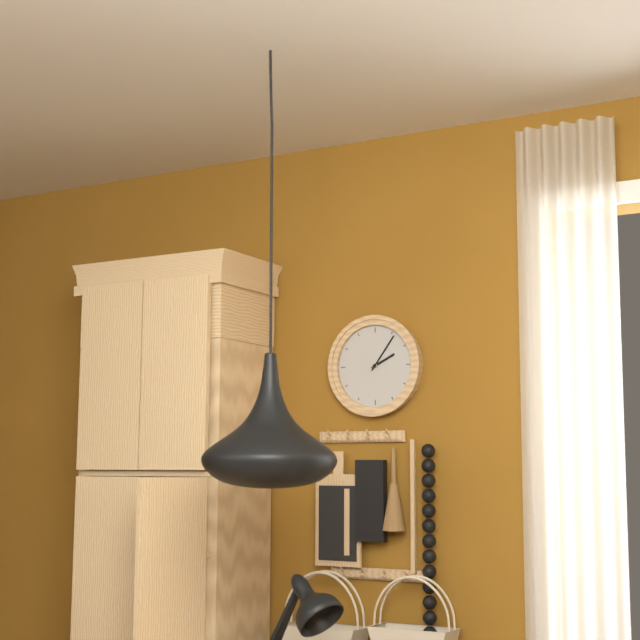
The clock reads 2,06
